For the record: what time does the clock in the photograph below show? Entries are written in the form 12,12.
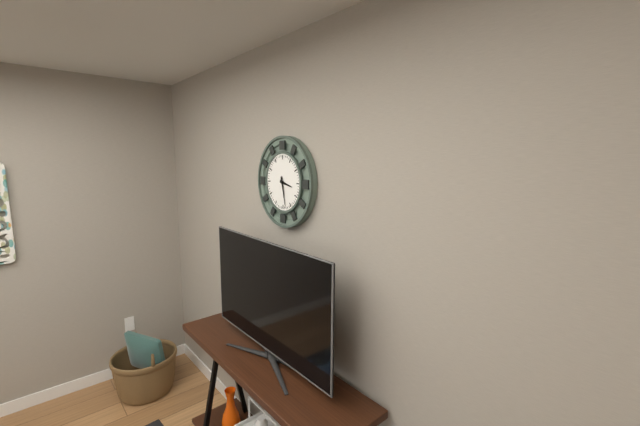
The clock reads 3,28
